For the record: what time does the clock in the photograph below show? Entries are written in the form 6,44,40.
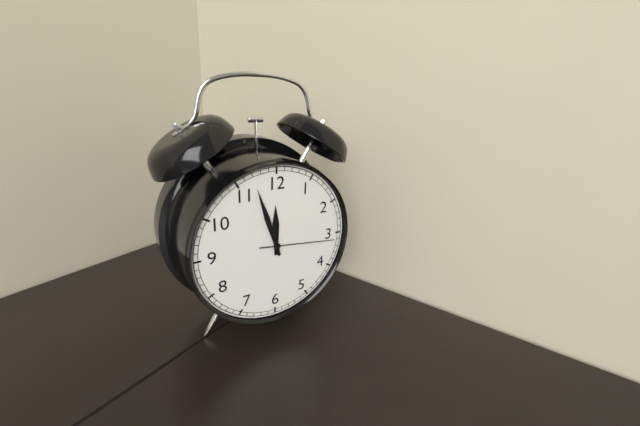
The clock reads 11,57,16
